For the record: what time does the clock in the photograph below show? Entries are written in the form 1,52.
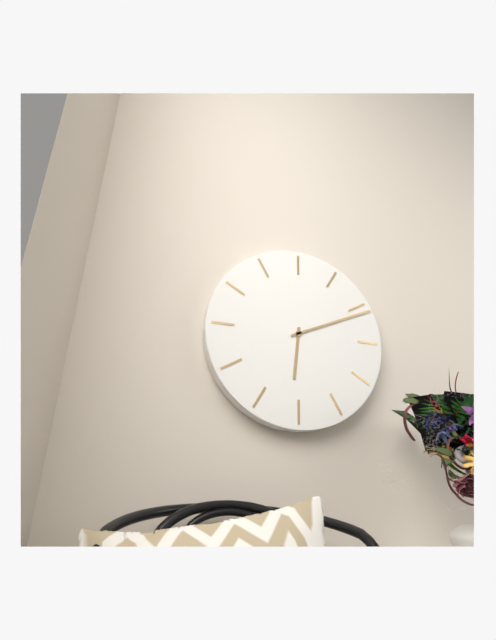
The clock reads 6,11
